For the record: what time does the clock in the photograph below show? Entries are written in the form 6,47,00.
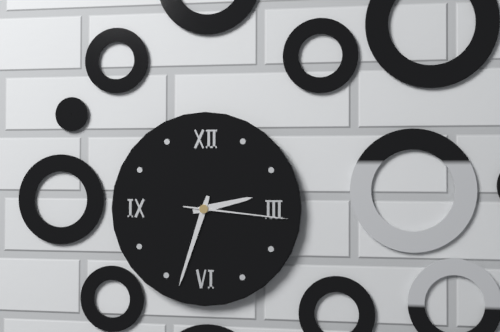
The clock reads 2,33,16
